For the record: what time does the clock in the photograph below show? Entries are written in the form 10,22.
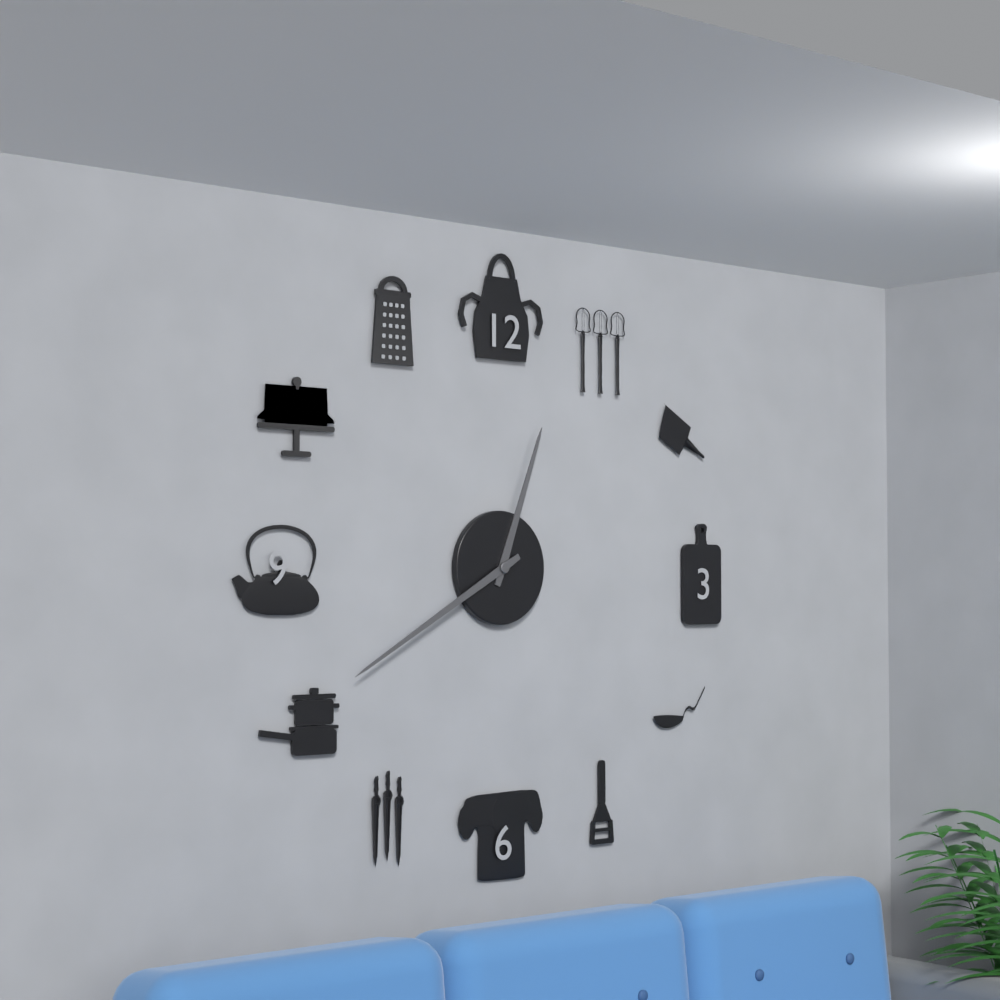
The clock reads 12,40
